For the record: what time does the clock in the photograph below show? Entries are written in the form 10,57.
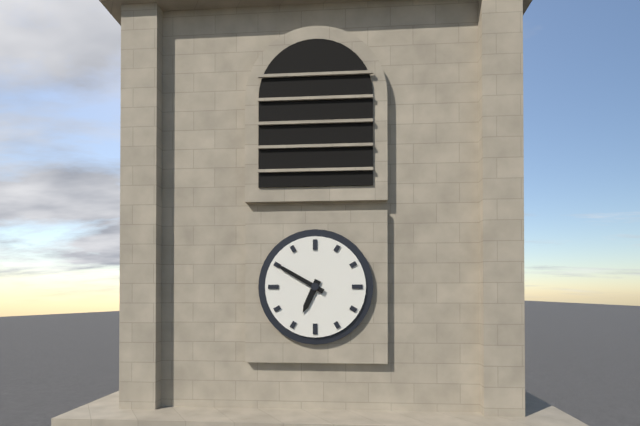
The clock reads 6,50
